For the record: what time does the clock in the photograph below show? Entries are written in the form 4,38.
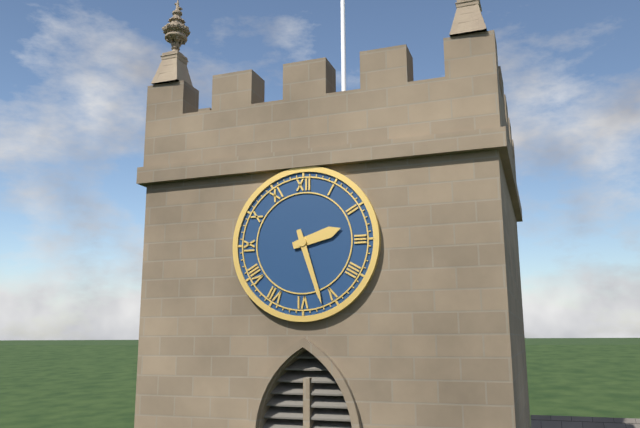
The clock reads 2,27
